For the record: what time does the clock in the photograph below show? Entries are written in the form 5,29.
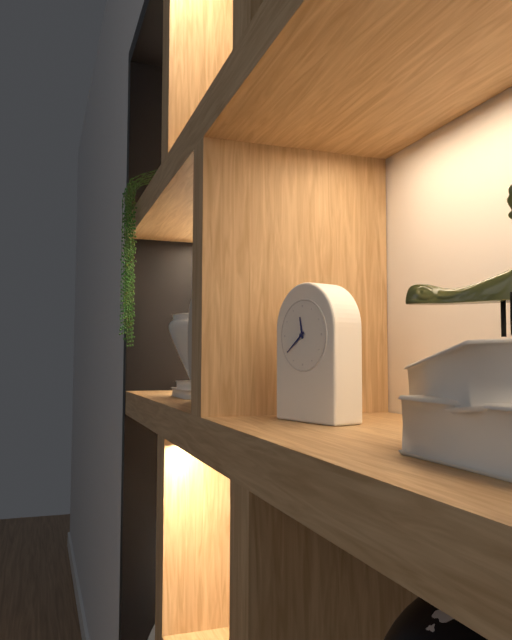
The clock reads 11,39
